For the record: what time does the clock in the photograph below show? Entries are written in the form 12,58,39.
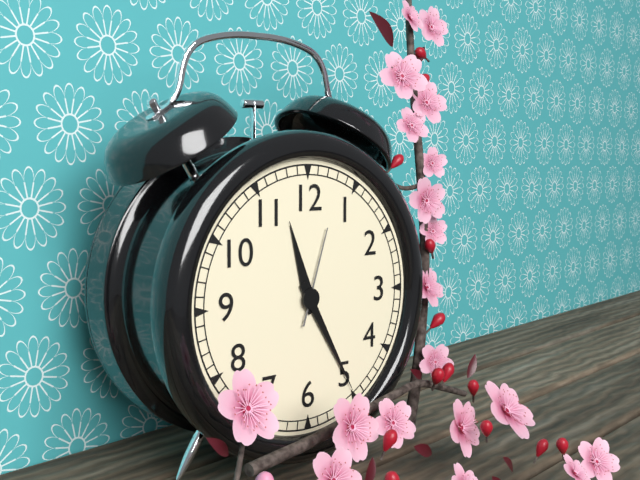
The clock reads 11,25,03
